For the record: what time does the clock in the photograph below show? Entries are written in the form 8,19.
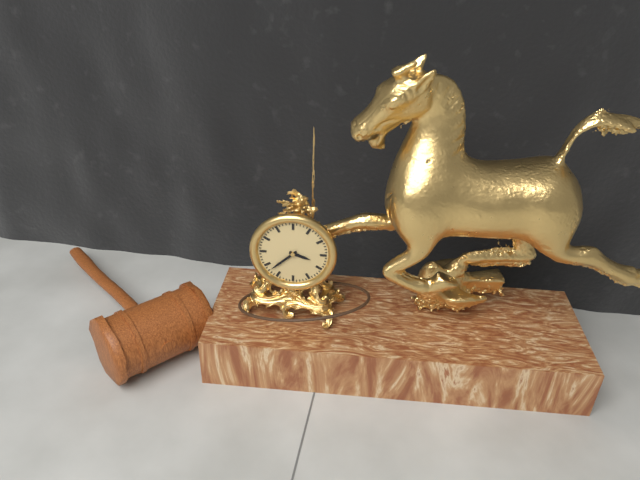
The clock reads 3,38
